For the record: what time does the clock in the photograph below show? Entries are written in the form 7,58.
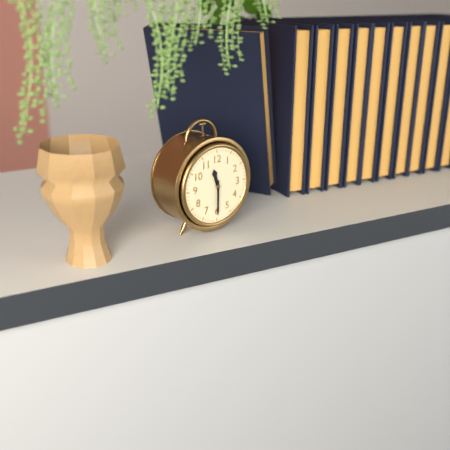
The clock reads 11,30
